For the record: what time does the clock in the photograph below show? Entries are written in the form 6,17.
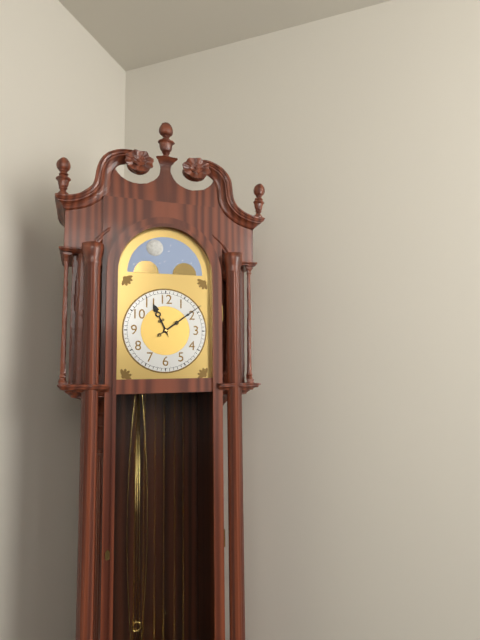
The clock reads 11,09
